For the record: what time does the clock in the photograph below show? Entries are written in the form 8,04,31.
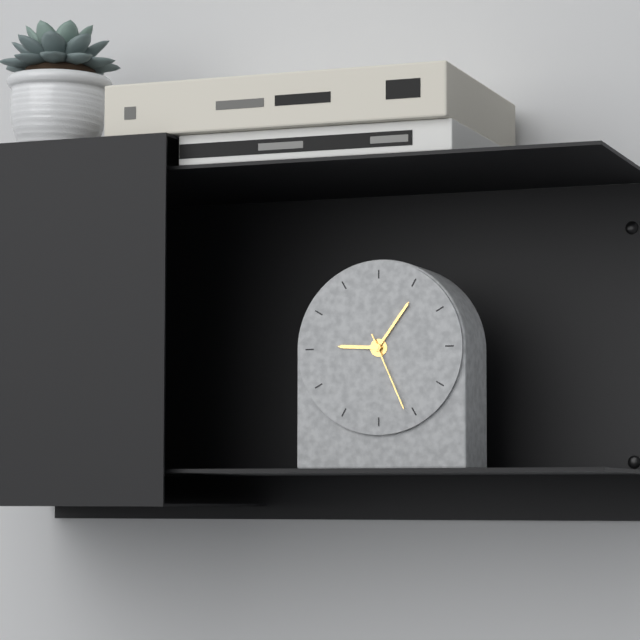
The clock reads 9,06,26
